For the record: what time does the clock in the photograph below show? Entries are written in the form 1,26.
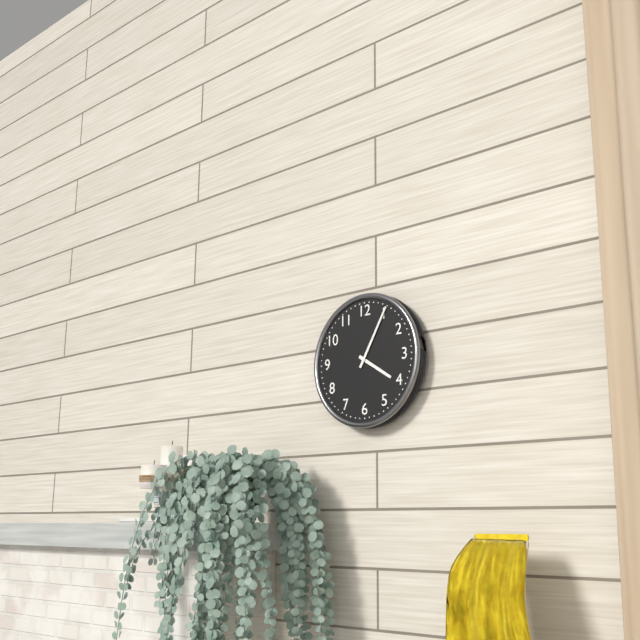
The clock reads 4,05
